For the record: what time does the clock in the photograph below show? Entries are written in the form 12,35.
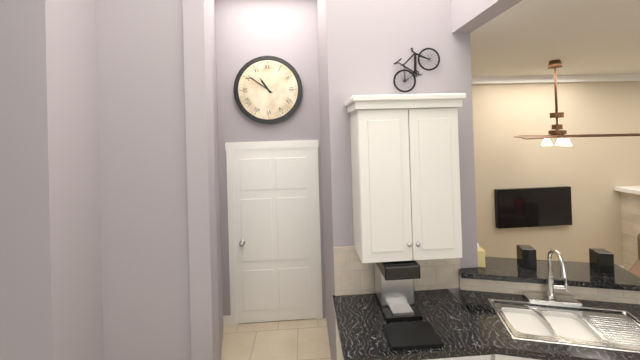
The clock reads 10,51
